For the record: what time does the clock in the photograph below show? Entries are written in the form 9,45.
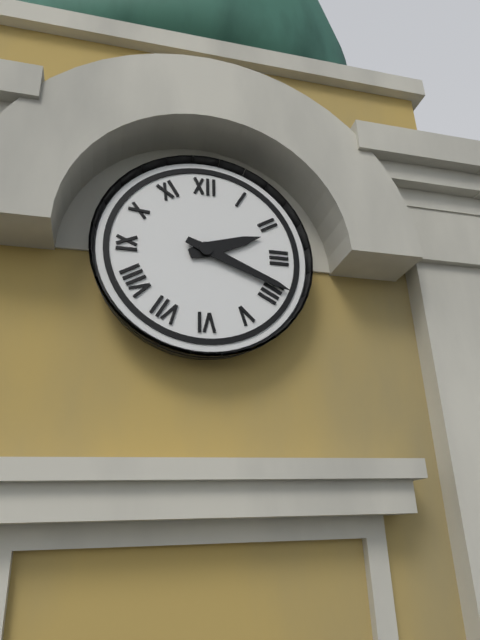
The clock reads 2,19
